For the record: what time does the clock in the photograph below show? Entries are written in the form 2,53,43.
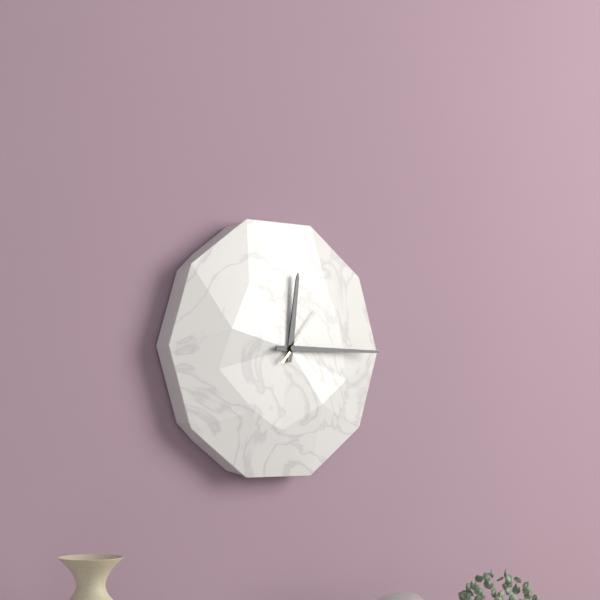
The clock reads 12,15,07
